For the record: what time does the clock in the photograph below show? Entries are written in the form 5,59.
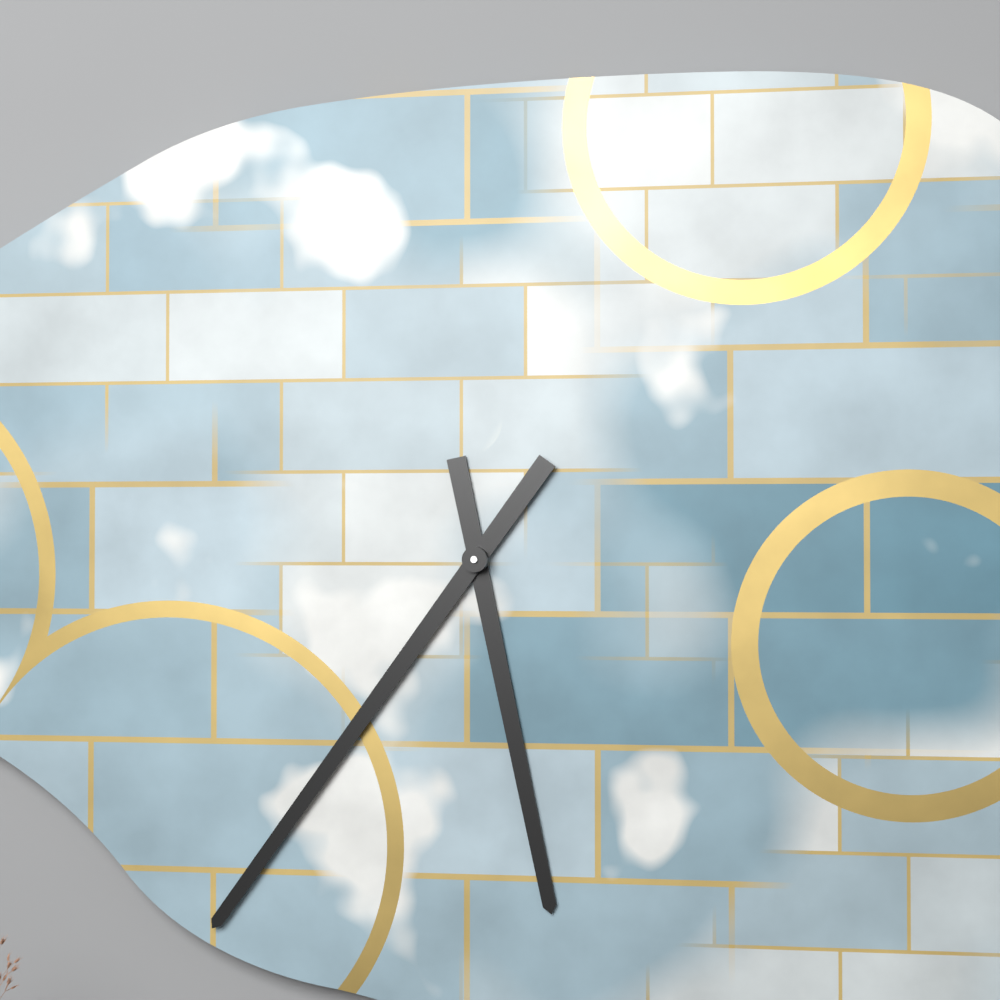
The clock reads 5,36
